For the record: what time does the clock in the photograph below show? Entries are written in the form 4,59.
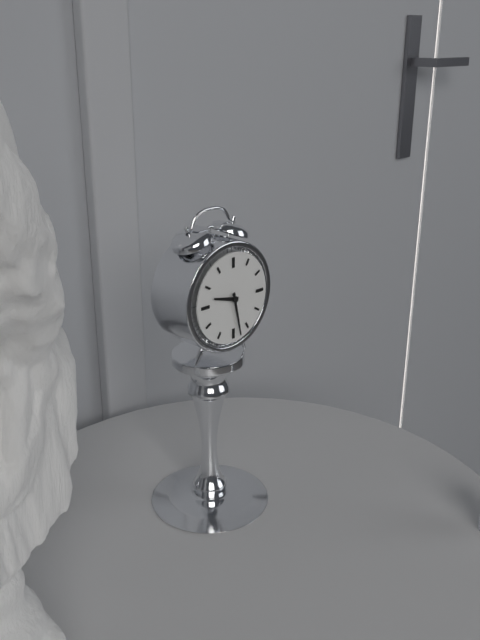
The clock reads 9,28
